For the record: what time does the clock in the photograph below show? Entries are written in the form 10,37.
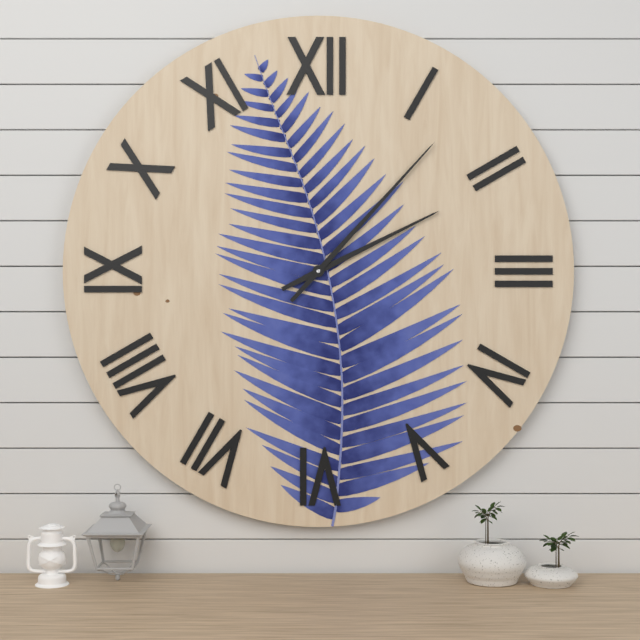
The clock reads 2,07
